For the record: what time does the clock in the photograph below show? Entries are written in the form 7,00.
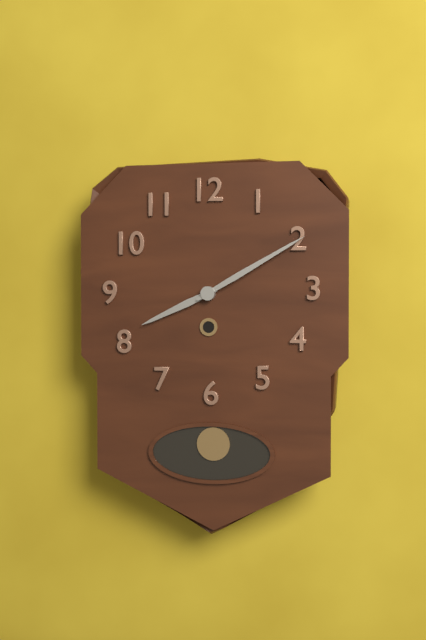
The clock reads 8,10
